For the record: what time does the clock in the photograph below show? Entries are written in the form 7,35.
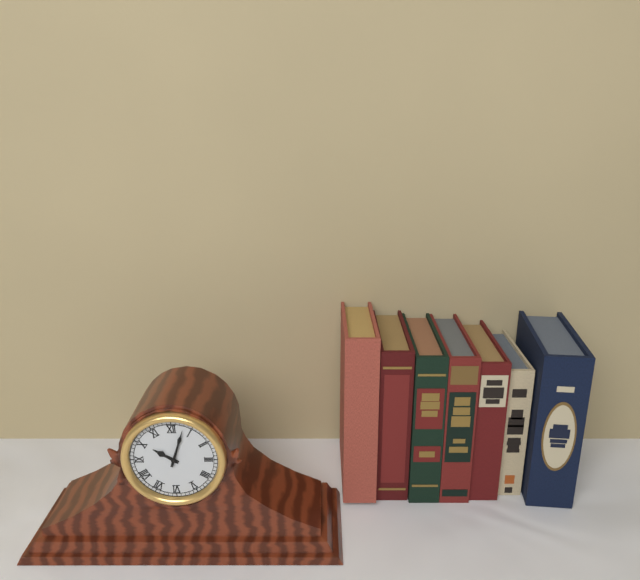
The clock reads 10,03
